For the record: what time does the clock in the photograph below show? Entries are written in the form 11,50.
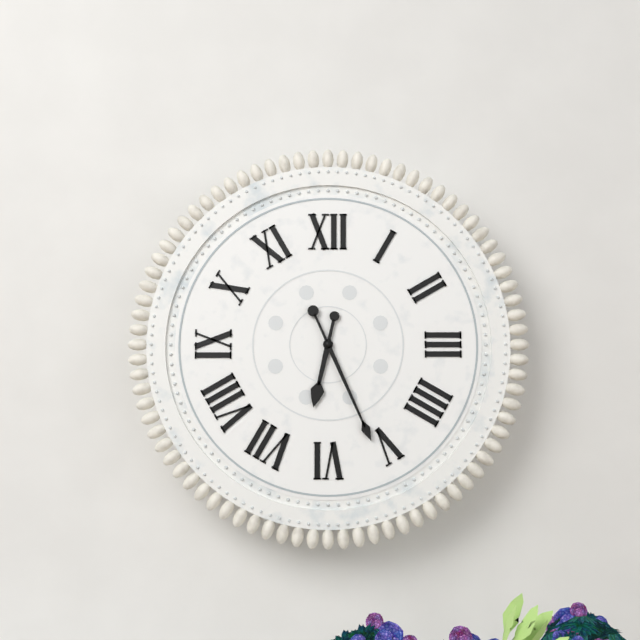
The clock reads 6,26
